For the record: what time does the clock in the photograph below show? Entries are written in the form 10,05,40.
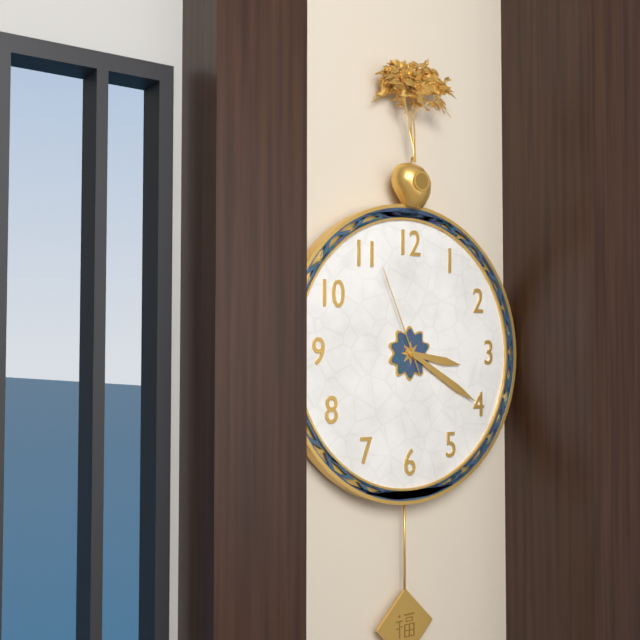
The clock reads 3,20,56
